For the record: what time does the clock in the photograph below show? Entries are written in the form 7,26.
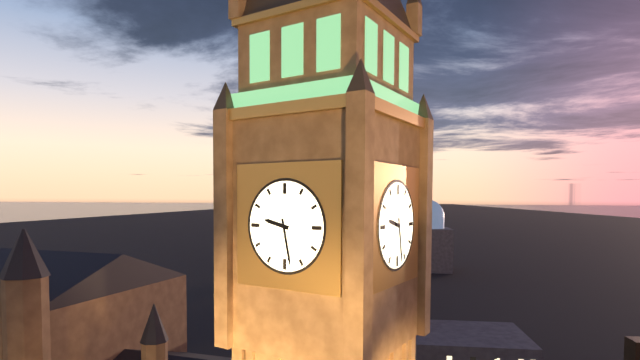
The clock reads 9,28
